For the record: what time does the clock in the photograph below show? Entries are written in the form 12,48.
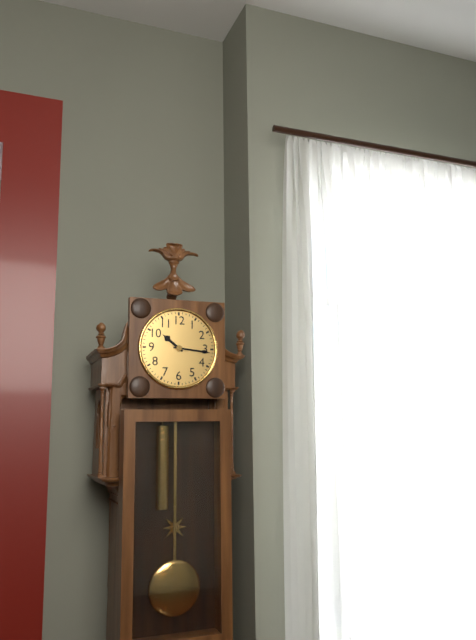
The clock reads 10,16
